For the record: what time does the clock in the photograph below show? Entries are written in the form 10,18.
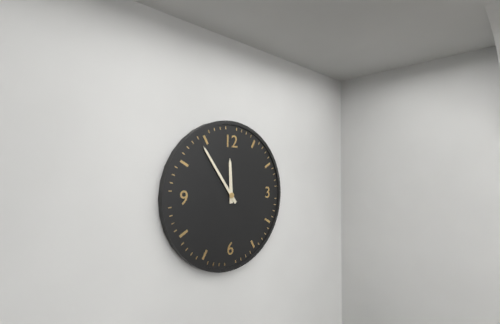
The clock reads 11,54
